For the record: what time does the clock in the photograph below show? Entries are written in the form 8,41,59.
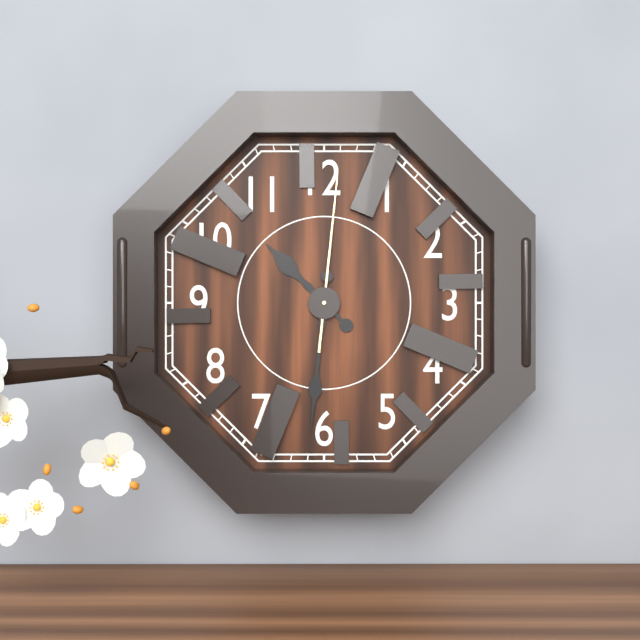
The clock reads 10,31,01
